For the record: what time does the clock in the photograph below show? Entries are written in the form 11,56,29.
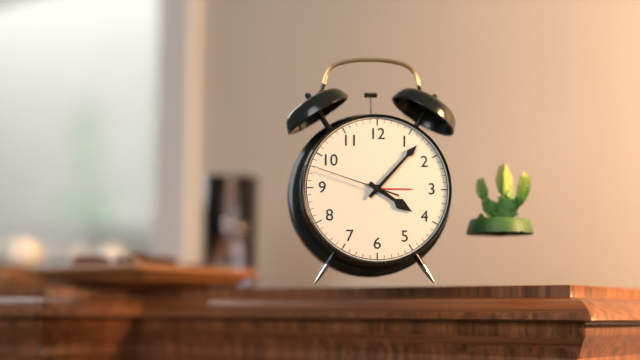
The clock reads 4,07,48
